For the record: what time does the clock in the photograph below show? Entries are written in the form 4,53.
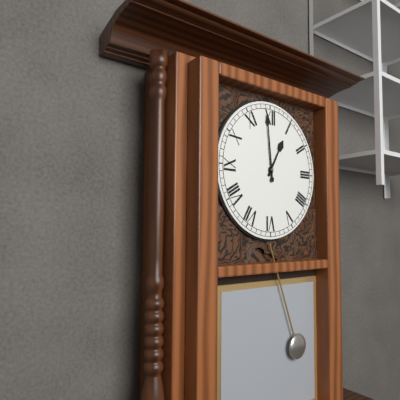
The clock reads 12,59
